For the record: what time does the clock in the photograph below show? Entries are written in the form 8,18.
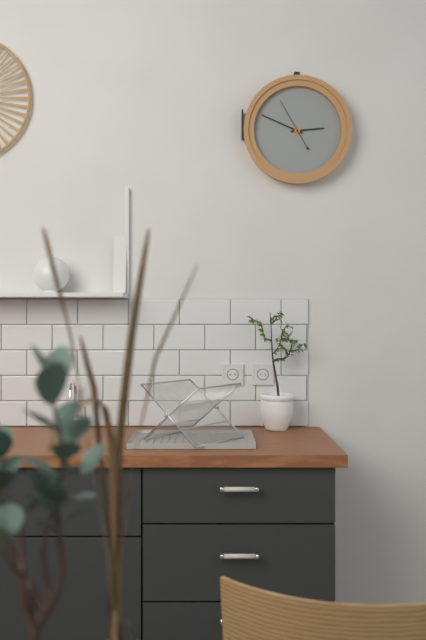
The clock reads 2,49
